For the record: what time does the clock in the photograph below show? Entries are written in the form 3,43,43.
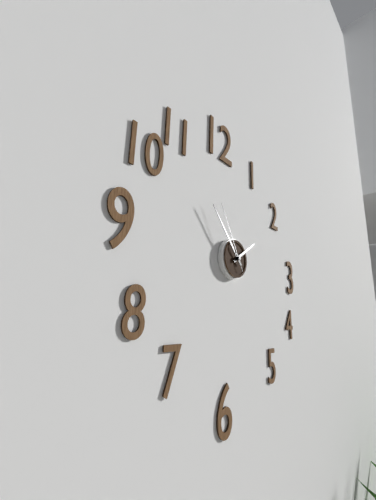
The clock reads 1,53,55
